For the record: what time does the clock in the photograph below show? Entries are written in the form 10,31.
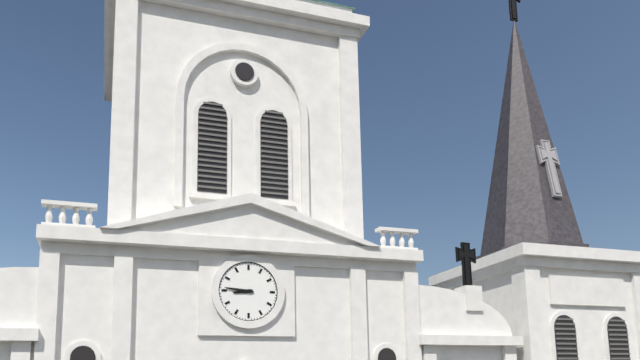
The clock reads 8,46
